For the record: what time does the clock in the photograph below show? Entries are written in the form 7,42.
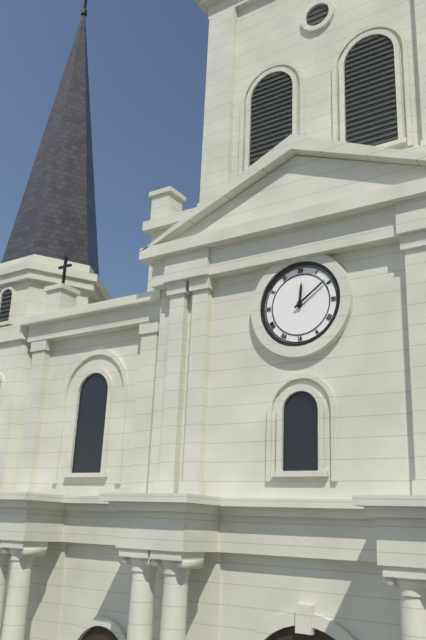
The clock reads 12,09
